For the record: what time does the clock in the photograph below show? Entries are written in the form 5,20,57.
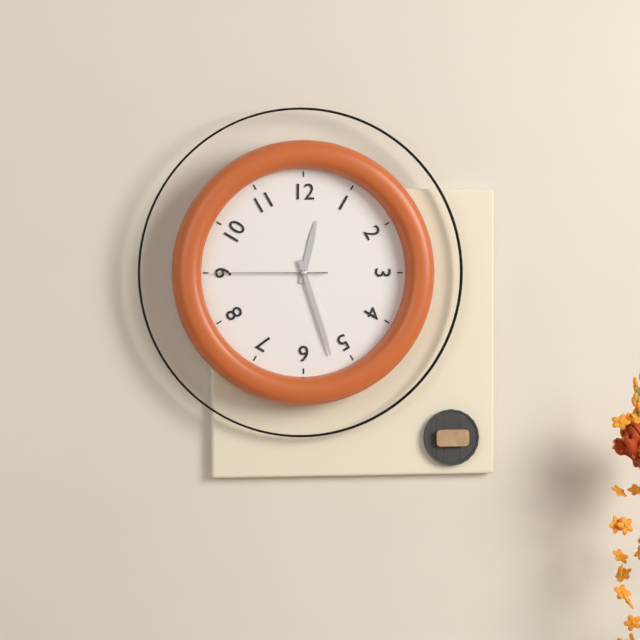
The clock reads 12,27,45
